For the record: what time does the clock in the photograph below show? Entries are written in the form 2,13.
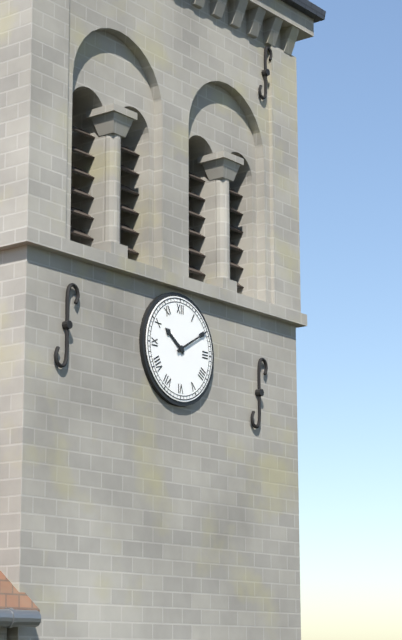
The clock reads 10,10
